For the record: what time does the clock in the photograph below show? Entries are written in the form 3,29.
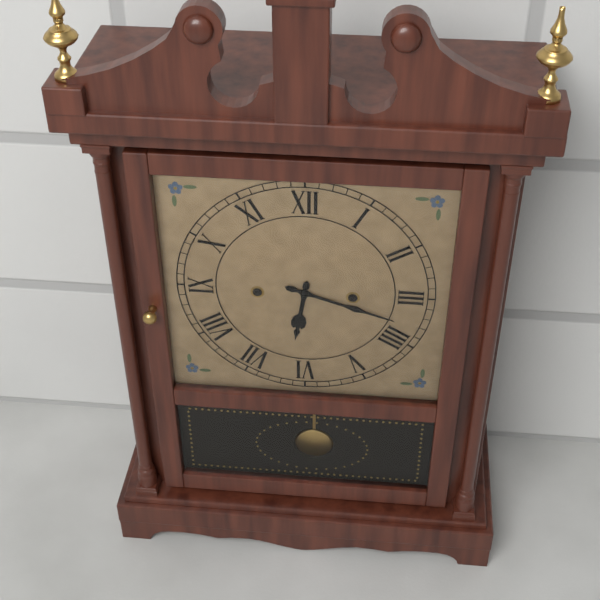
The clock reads 6,18
